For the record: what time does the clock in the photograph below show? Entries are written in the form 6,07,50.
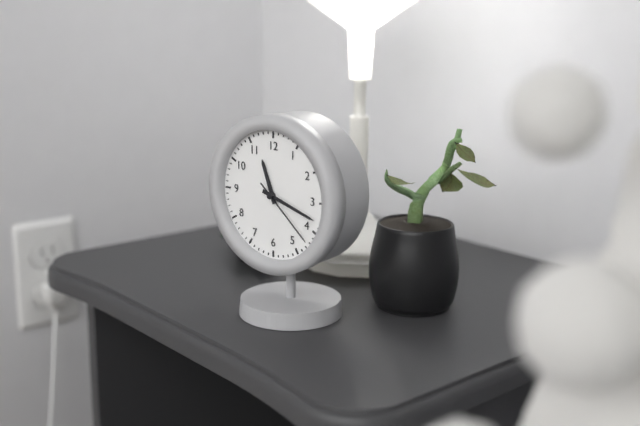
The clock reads 11,18,22
